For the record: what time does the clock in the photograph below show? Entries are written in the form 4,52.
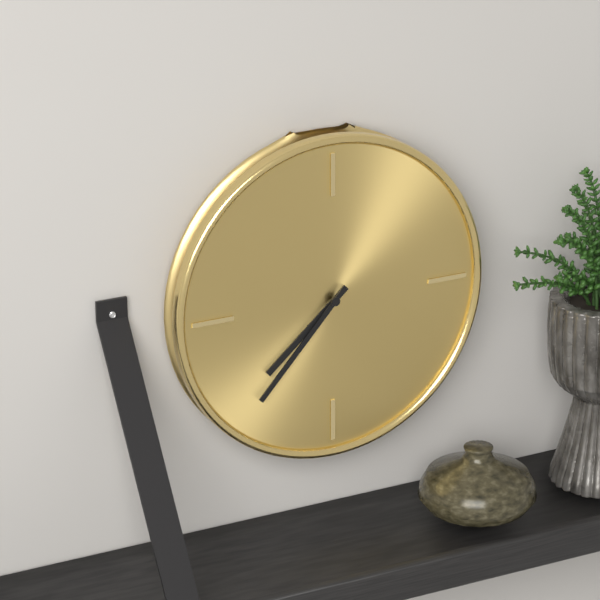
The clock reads 7,37
